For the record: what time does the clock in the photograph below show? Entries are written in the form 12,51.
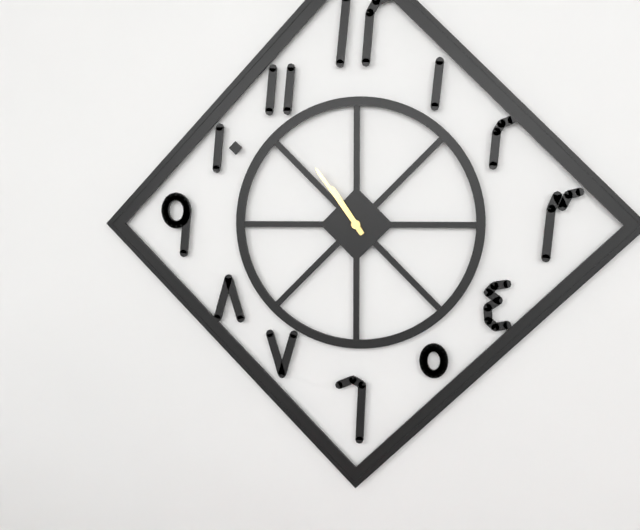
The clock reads 10,54
